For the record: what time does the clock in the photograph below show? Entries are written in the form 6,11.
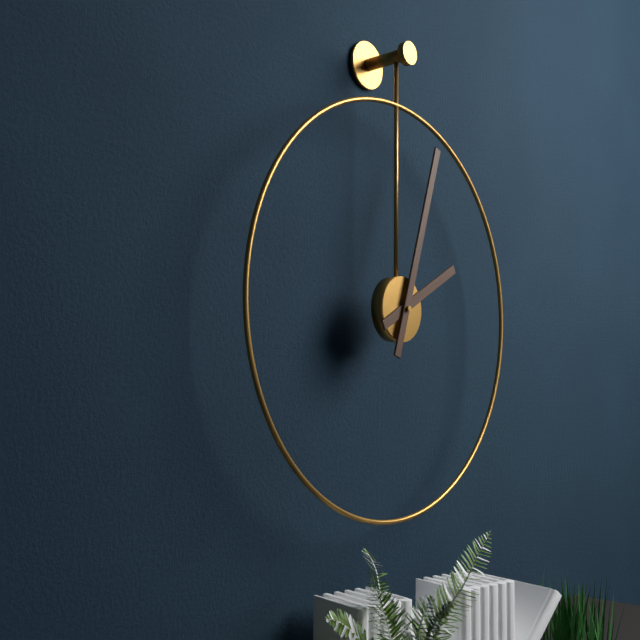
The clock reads 2,03
